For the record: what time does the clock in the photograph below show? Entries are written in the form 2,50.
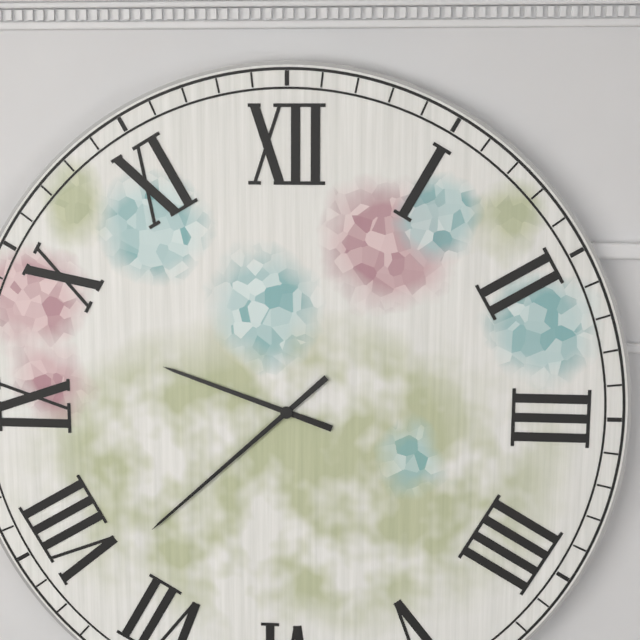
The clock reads 9,38
